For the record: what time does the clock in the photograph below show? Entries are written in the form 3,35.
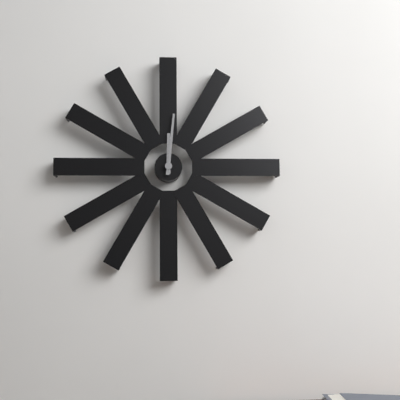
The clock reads 12,01
